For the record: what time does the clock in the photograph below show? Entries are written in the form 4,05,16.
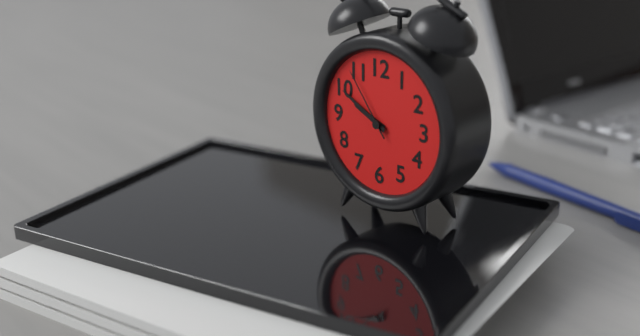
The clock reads 9,50,54
